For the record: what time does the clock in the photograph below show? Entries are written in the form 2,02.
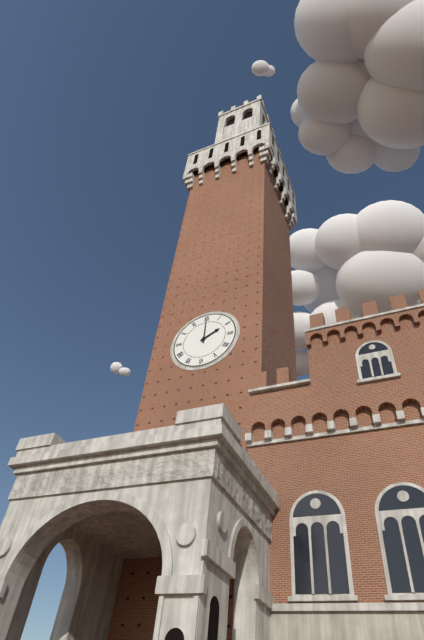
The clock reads 2,00
